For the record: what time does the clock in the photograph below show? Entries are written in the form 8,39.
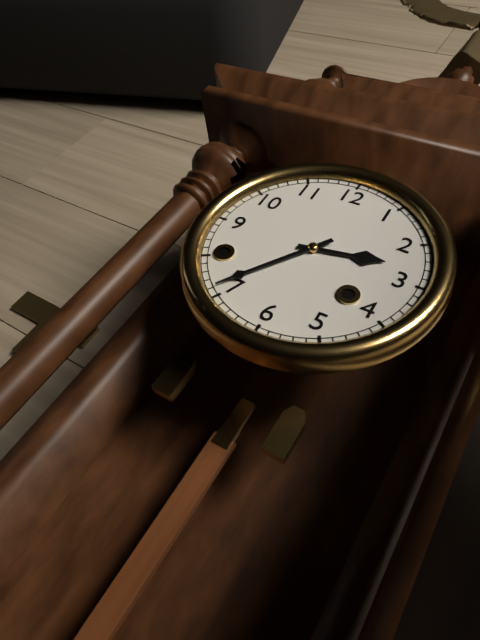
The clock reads 2,36
